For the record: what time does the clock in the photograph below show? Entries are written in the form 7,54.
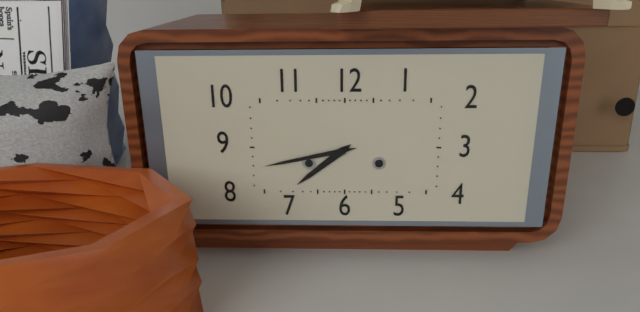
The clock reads 7,43
